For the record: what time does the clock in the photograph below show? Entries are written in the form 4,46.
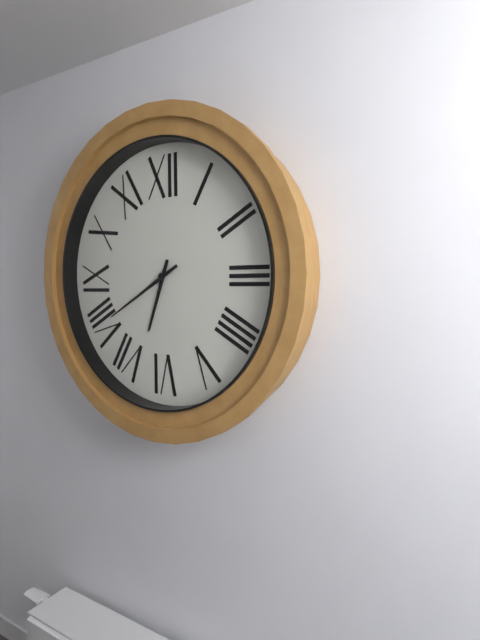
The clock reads 6,40
